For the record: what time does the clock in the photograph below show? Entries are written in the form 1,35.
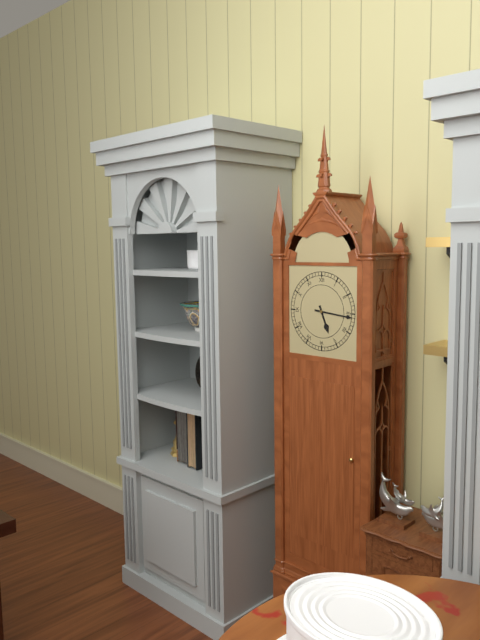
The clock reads 5,16
